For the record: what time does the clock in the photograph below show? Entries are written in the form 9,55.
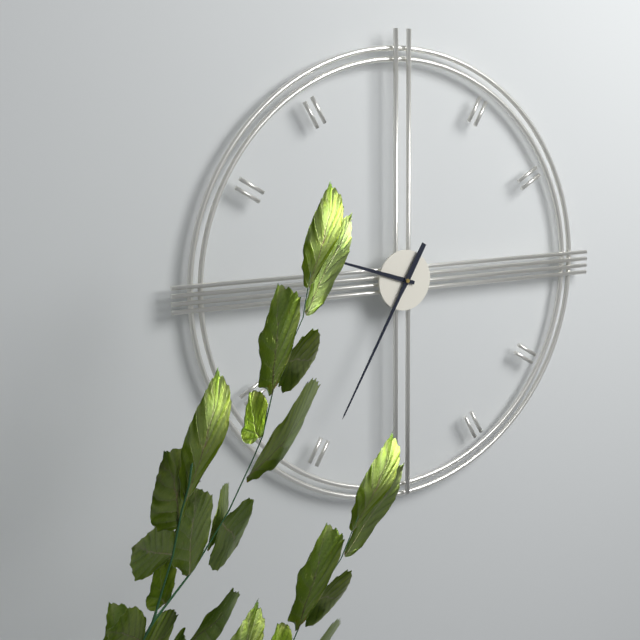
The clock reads 9,35
